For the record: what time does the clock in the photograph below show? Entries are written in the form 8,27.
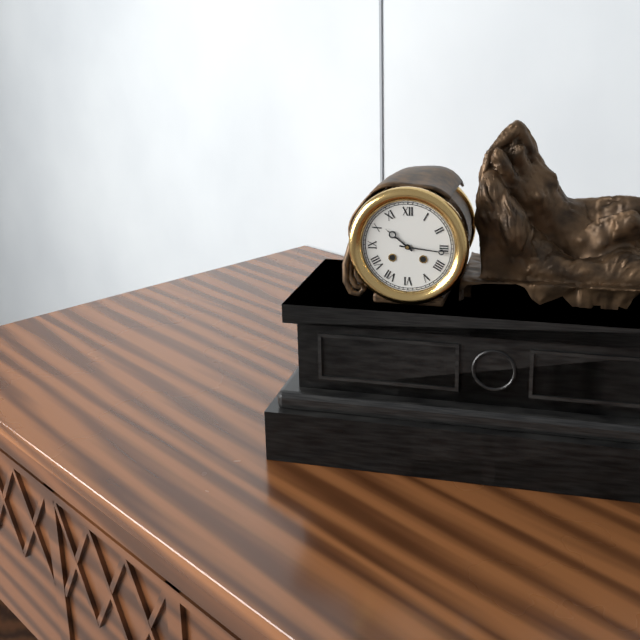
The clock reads 10,16
